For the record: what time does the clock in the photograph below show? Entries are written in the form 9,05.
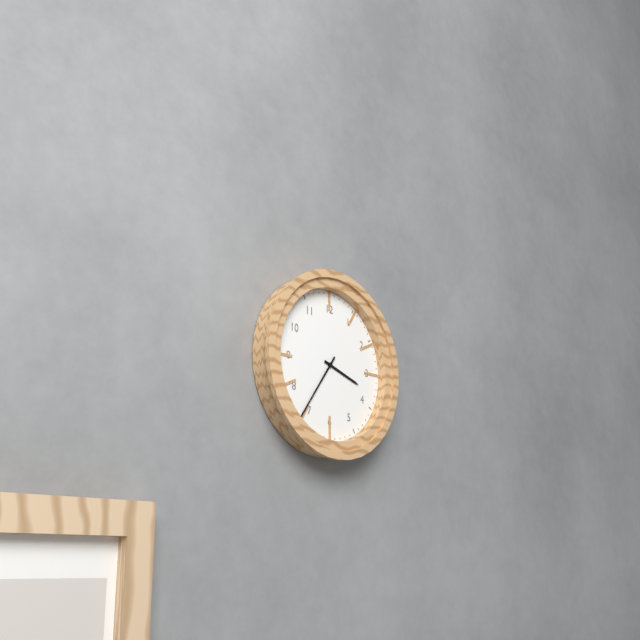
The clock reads 3,36
